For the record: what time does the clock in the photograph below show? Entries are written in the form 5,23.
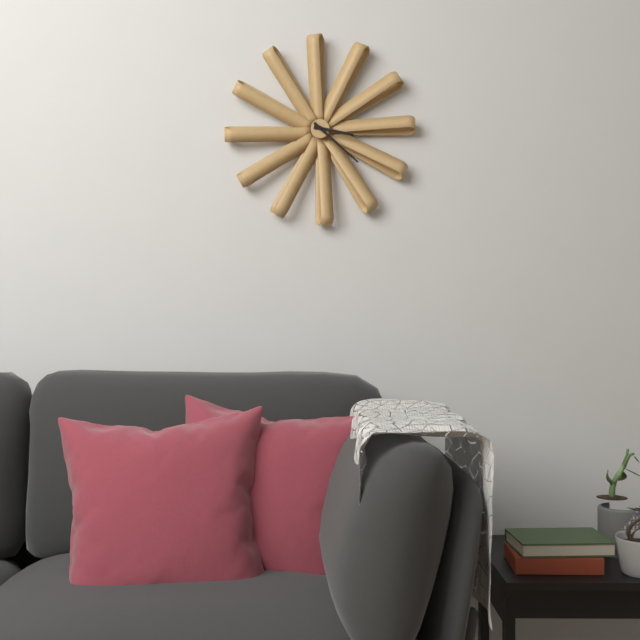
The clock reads 3,22
